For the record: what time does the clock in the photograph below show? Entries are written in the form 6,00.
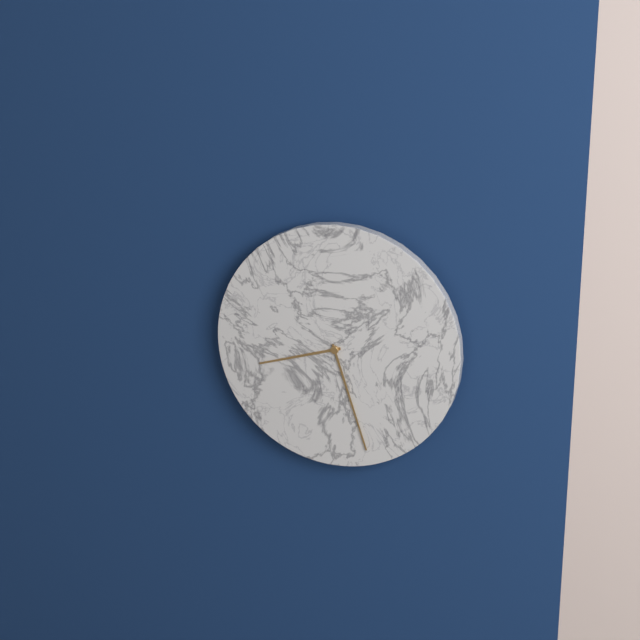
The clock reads 8,27
